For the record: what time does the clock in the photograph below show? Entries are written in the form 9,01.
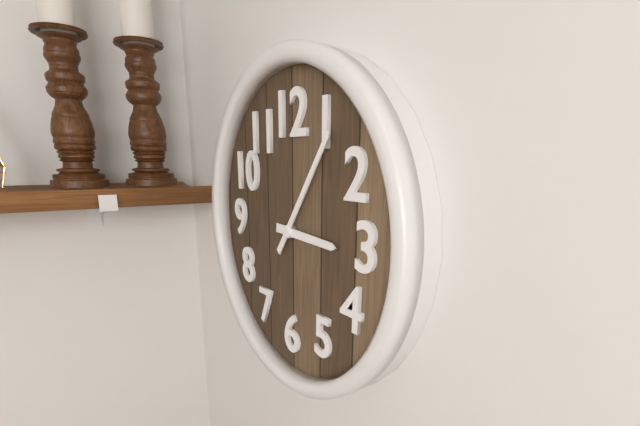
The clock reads 3,06
